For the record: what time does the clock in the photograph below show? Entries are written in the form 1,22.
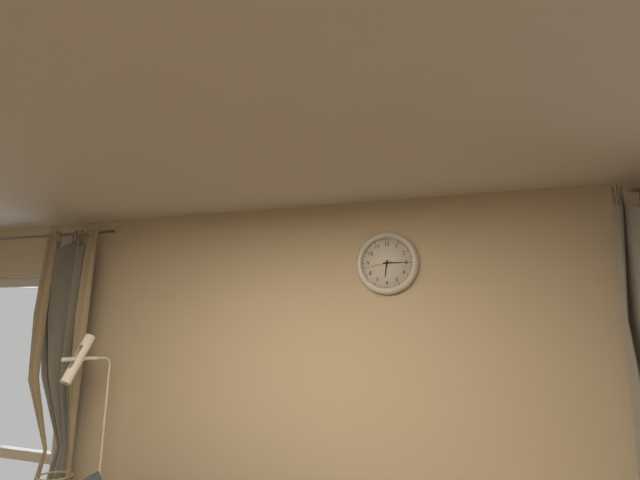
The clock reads 6,15
